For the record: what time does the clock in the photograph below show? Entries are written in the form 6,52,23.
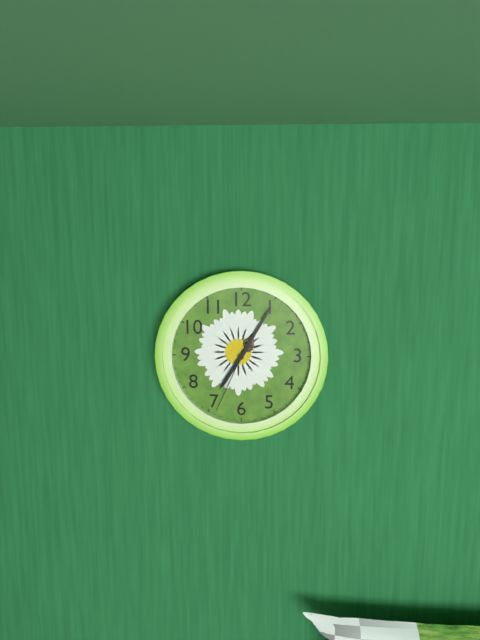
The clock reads 7,05,34
